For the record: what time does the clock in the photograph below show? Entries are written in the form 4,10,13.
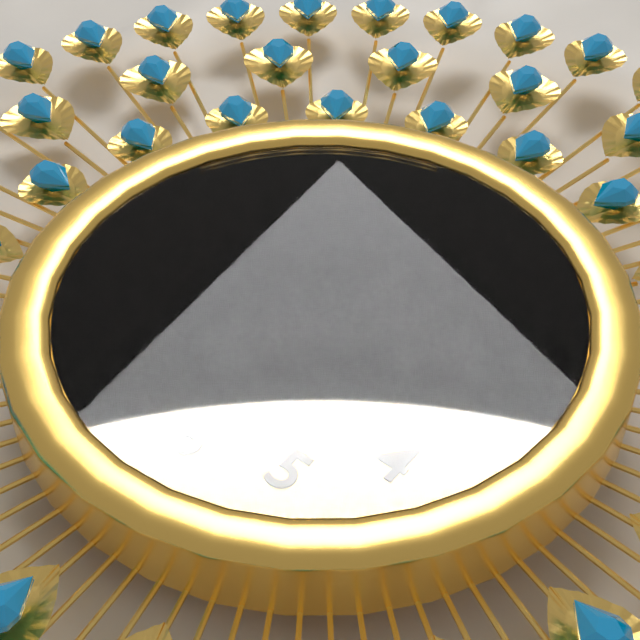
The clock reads 5,16,06
